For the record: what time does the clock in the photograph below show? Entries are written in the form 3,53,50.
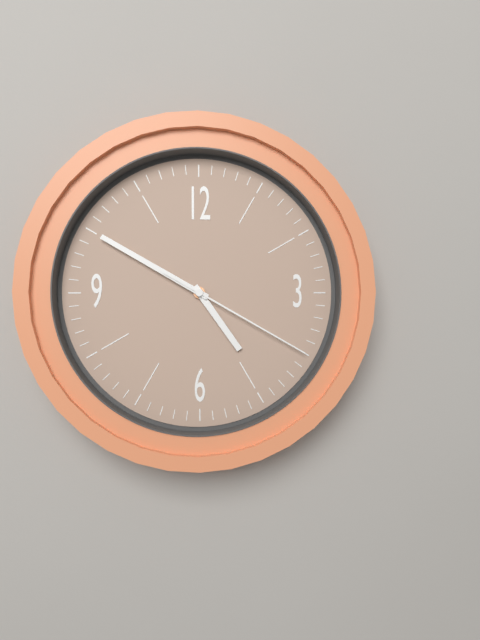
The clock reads 4,50,20
